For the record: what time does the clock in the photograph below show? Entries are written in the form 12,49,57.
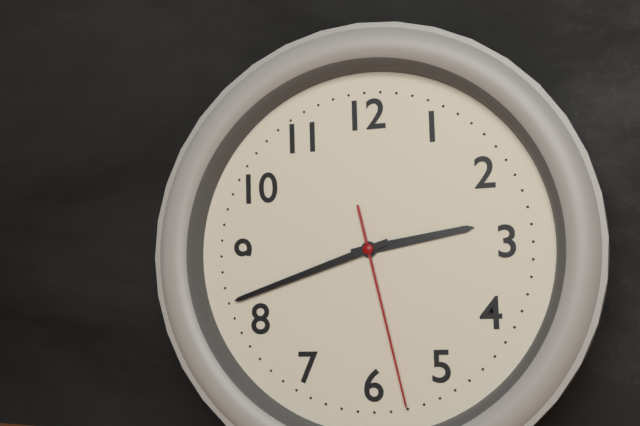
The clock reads 2,42,28
